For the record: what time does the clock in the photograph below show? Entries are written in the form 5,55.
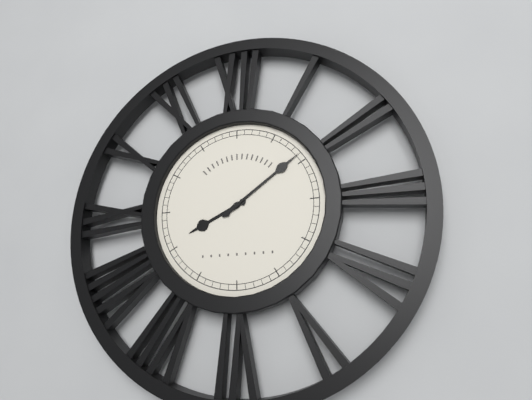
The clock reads 8,09
